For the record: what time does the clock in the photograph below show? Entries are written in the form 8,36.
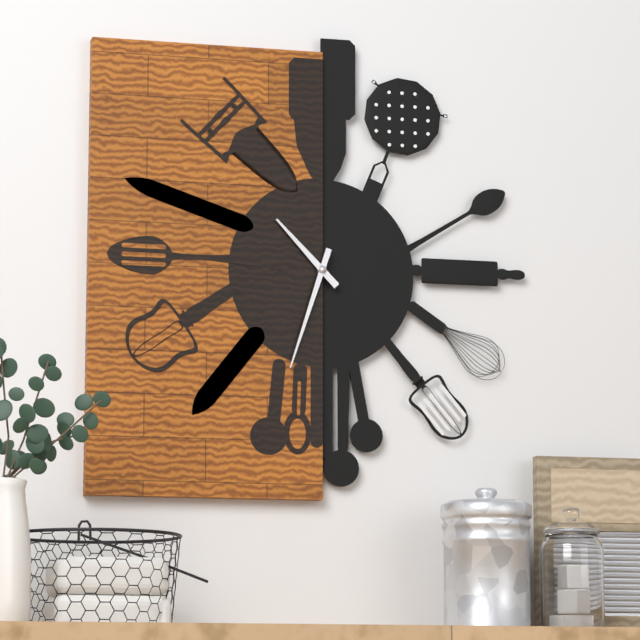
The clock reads 10,33
